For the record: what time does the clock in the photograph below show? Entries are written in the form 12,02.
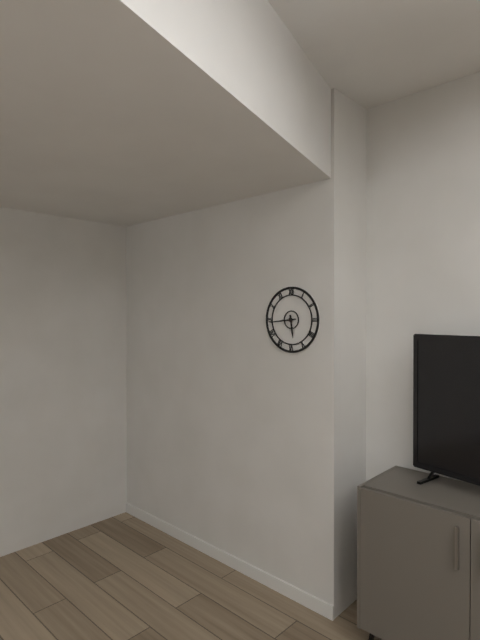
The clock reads 5,44
